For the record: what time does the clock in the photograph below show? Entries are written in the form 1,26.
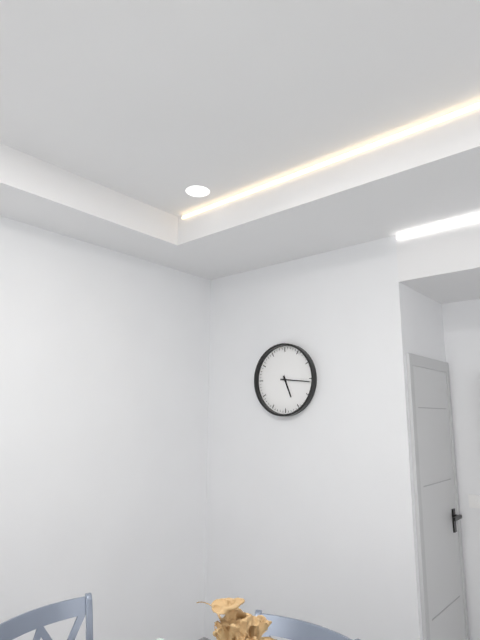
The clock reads 5,16
